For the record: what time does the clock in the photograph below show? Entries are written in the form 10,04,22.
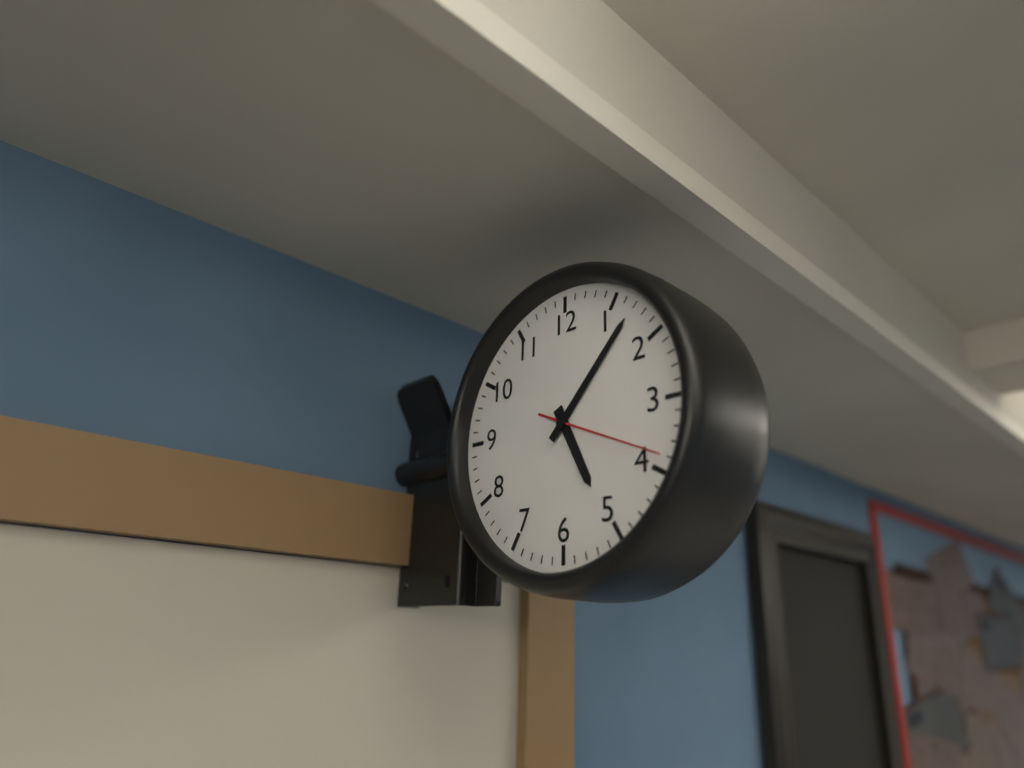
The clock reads 5,07,19
